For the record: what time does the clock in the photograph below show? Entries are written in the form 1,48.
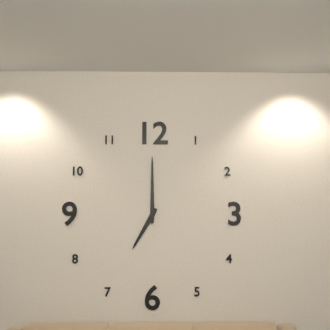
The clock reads 7,00
